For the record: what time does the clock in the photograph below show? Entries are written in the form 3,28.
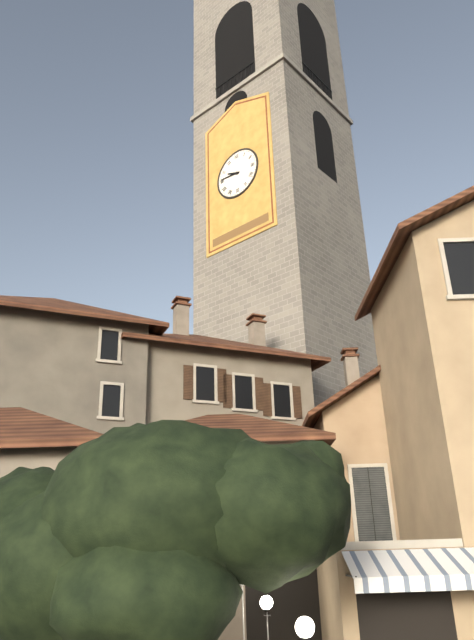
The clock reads 9,46
